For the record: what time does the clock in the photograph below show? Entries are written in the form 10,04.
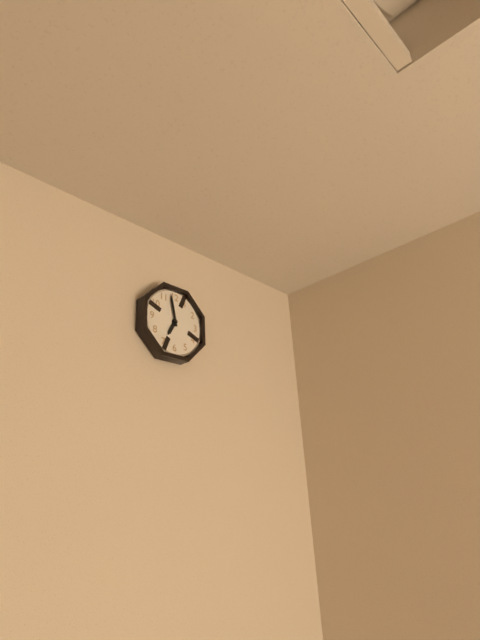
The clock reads 6,58
